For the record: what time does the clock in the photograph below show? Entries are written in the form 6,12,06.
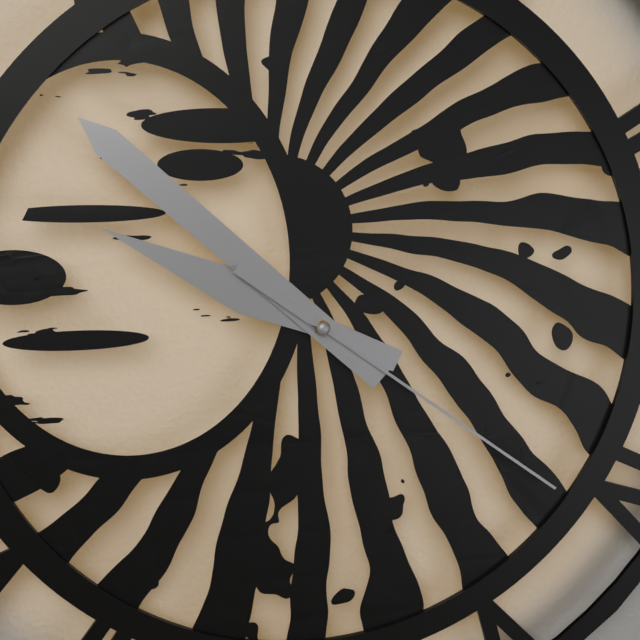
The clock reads 9,52,21
